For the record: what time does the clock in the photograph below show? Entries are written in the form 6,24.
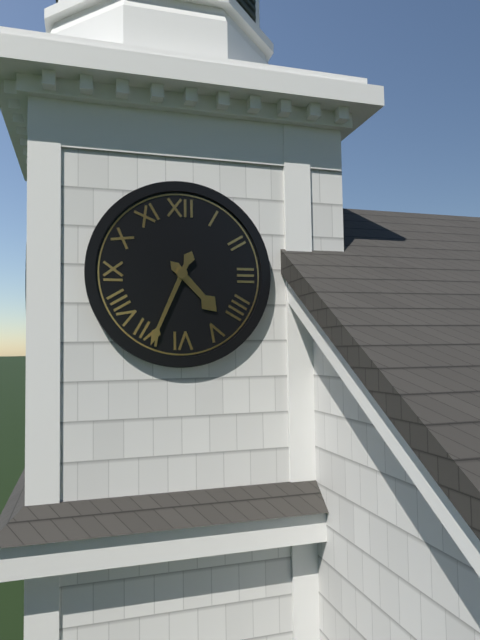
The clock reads 4,34
